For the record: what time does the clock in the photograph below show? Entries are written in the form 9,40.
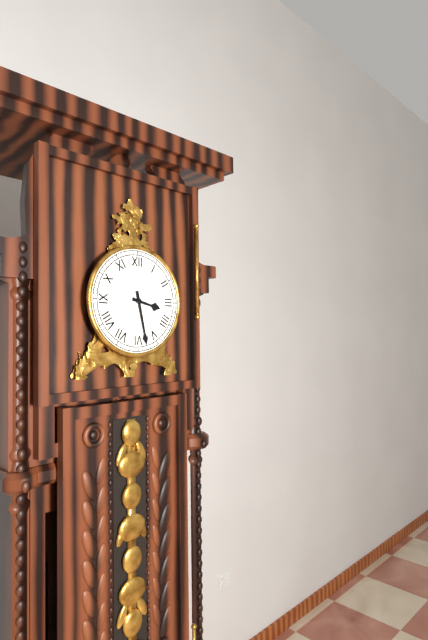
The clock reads 3,28
